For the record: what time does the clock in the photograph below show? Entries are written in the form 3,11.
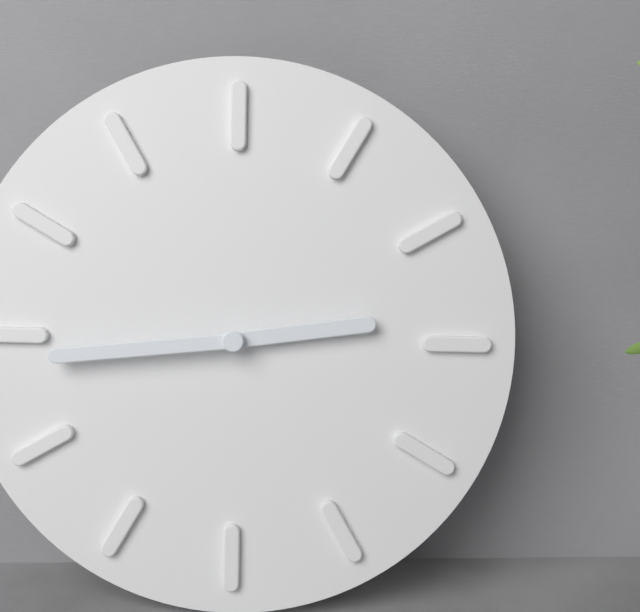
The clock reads 2,44
